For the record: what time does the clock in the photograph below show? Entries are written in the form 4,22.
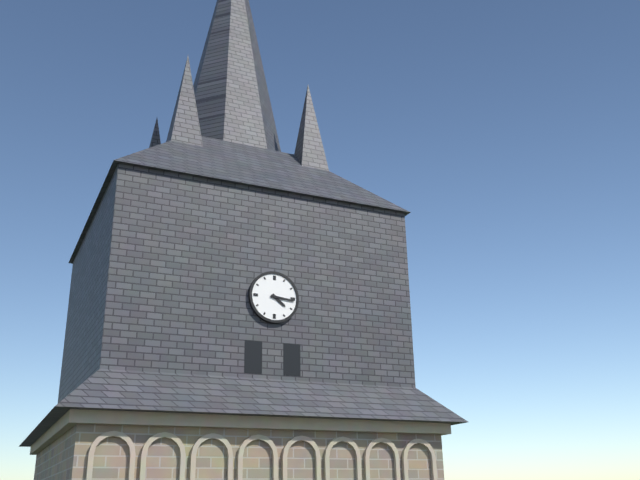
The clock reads 4,16
